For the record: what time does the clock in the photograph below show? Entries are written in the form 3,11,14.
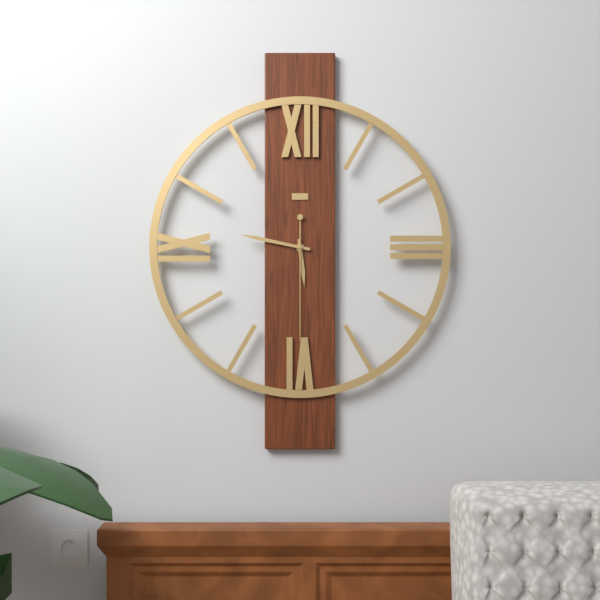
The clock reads 5,47,30
